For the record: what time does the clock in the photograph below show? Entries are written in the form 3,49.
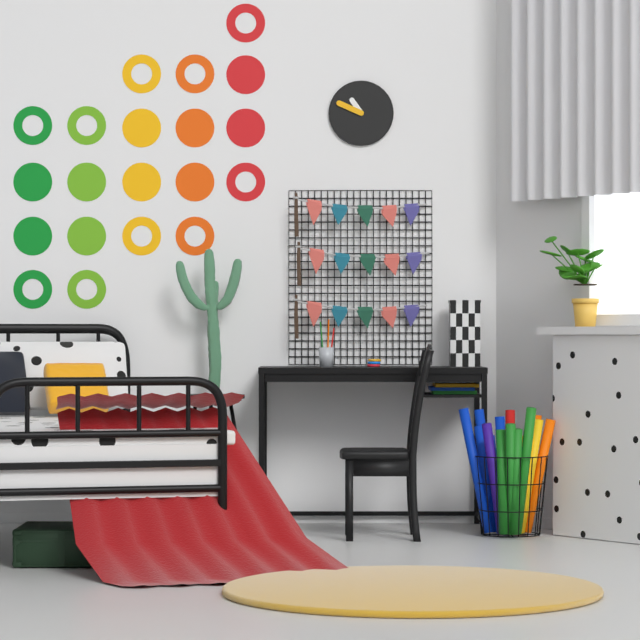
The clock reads 10,49
